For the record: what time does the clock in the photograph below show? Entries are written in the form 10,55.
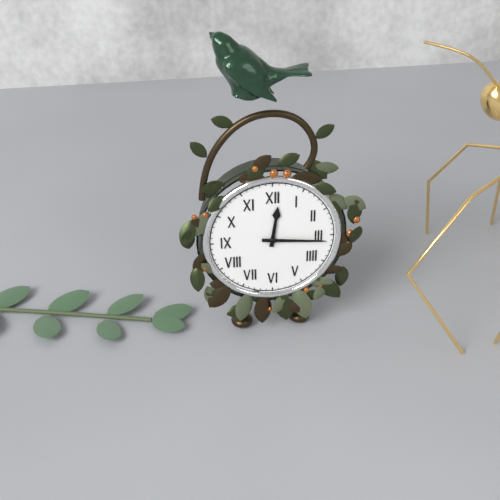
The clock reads 12,16
